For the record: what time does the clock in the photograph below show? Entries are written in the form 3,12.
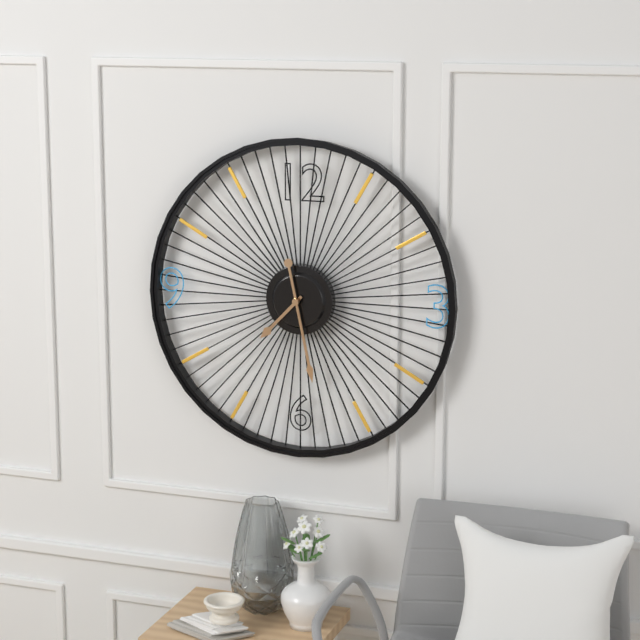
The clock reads 7,28
